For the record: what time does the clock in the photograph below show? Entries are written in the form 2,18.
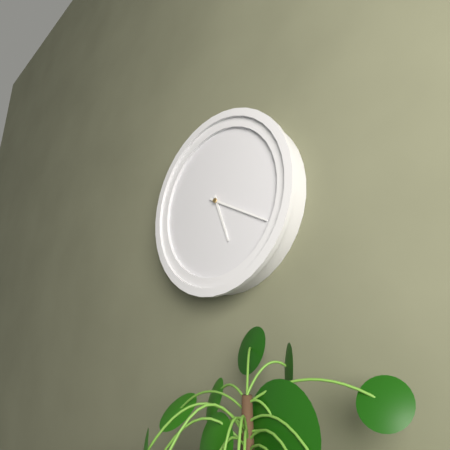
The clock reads 5,20
